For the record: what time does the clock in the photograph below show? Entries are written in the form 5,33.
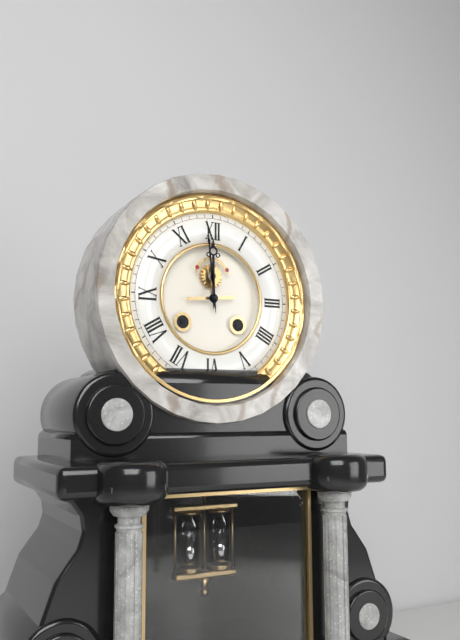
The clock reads 11,59
